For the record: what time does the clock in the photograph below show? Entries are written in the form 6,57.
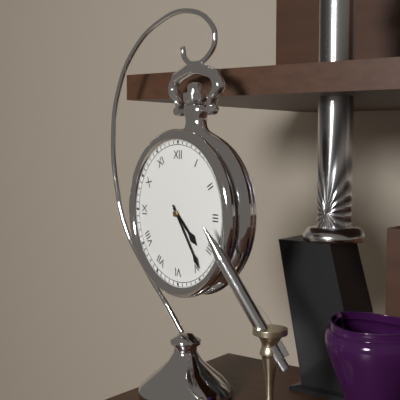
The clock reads 4,24
